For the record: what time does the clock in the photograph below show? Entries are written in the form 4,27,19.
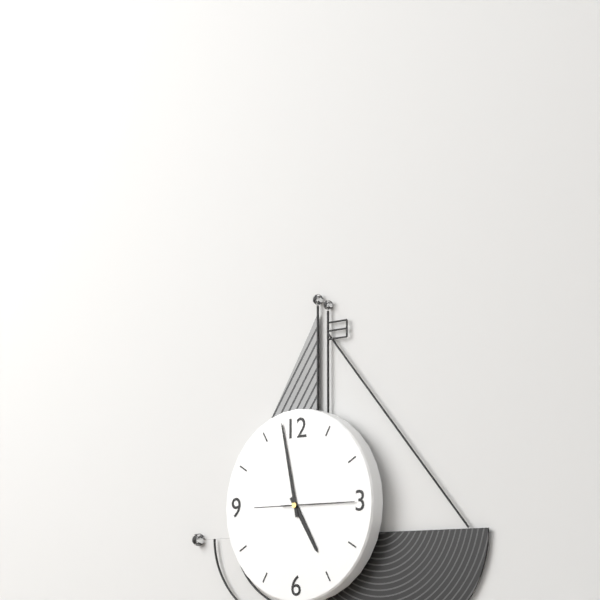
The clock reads 4,58,15
